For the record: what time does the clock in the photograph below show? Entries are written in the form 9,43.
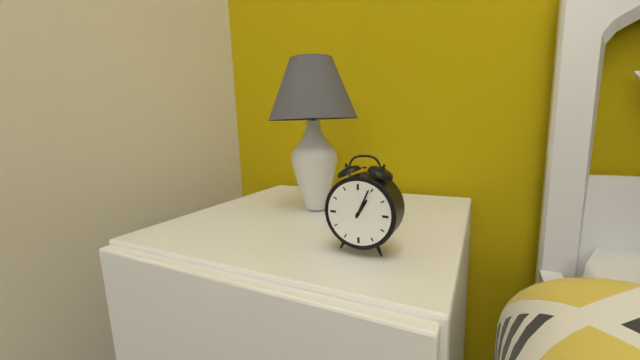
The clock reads 1,04
